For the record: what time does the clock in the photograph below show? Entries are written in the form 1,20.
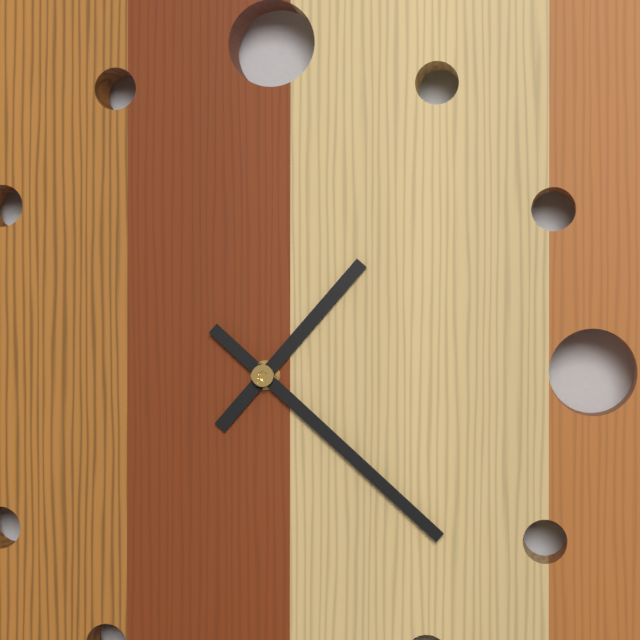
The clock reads 1,22
